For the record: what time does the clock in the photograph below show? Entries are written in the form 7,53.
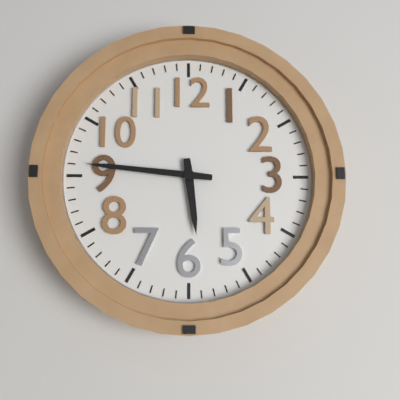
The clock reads 5,46
